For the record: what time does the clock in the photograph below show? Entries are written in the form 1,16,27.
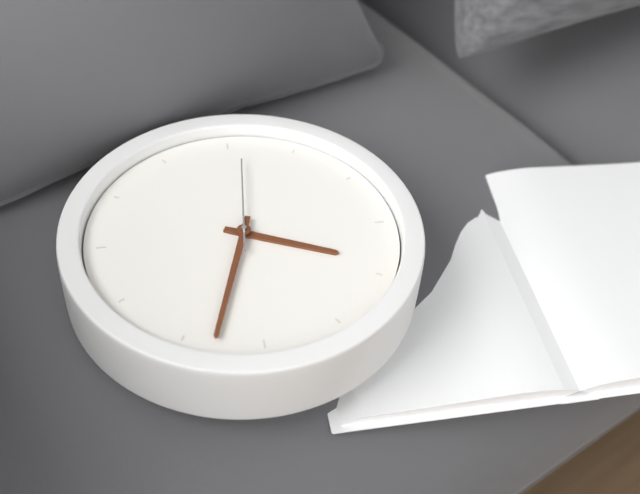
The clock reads 6,48,16
